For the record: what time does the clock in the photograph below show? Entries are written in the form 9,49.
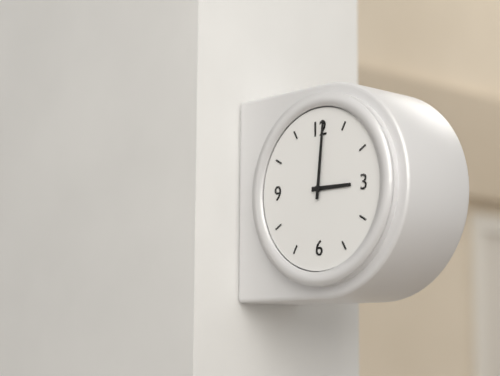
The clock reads 3,01
